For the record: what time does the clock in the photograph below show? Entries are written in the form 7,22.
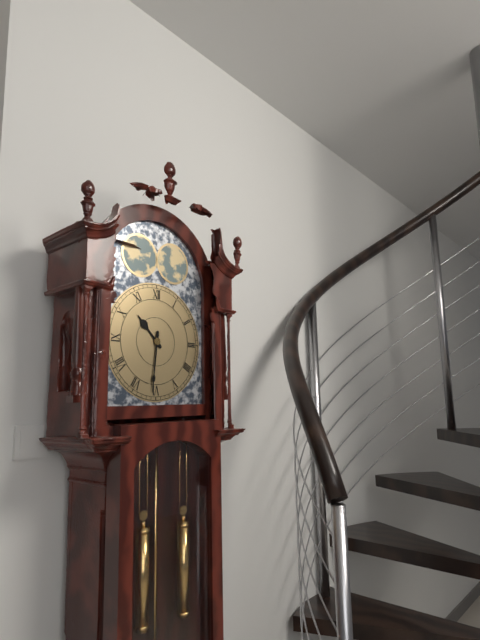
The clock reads 10,31
